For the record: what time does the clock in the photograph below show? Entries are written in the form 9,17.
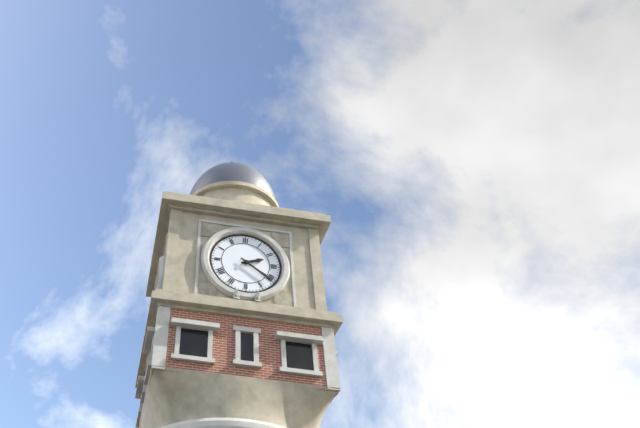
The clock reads 2,21
